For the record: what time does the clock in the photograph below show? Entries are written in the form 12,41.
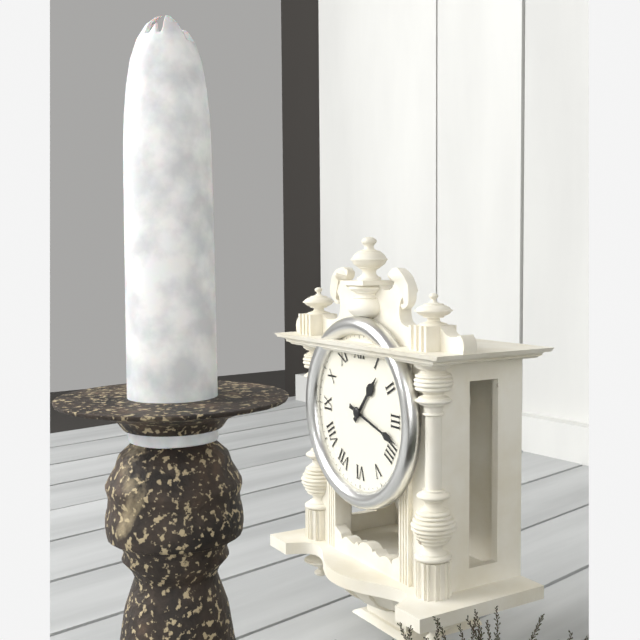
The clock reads 1,18
